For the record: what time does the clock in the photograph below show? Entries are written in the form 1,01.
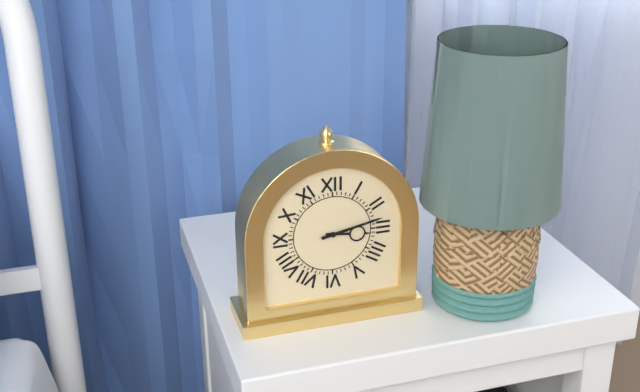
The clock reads 3,13
